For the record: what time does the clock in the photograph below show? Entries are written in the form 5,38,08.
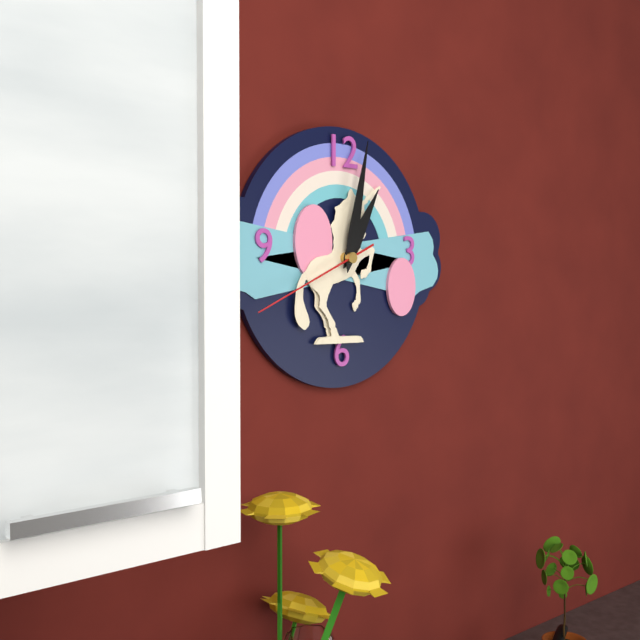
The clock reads 1,02,41
